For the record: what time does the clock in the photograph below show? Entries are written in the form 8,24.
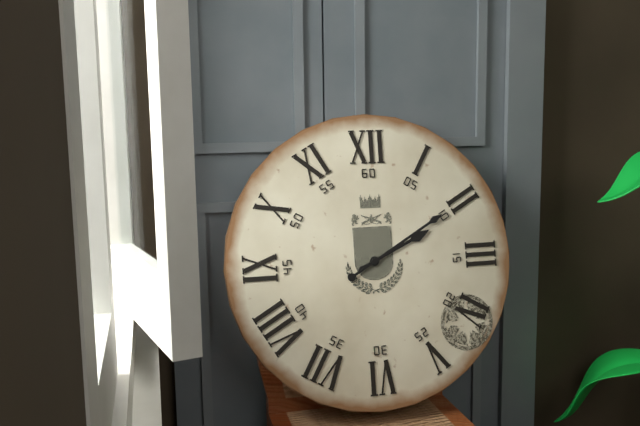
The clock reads 2,10
